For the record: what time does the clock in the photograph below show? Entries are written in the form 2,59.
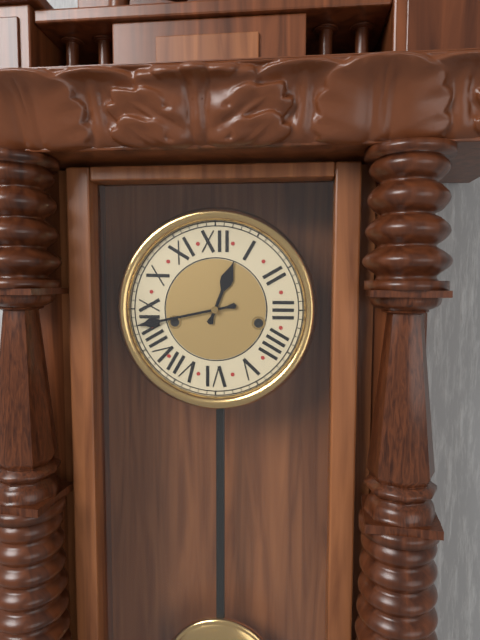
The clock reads 12,43
